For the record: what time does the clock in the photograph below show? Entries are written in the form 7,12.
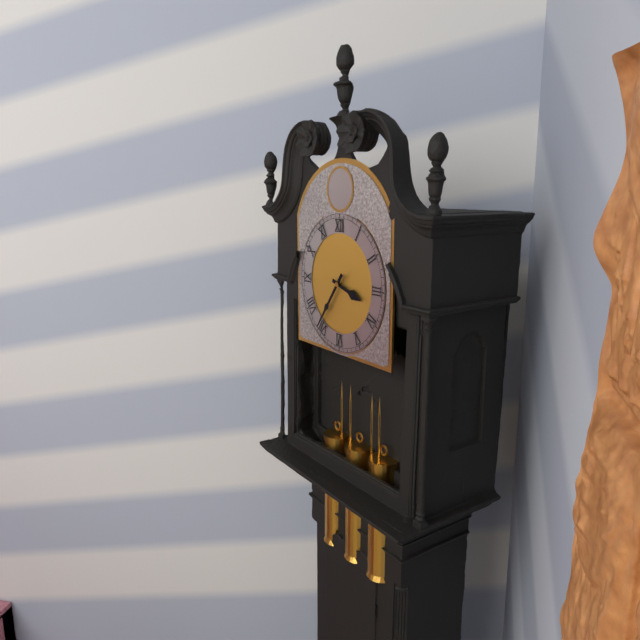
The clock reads 3,36
